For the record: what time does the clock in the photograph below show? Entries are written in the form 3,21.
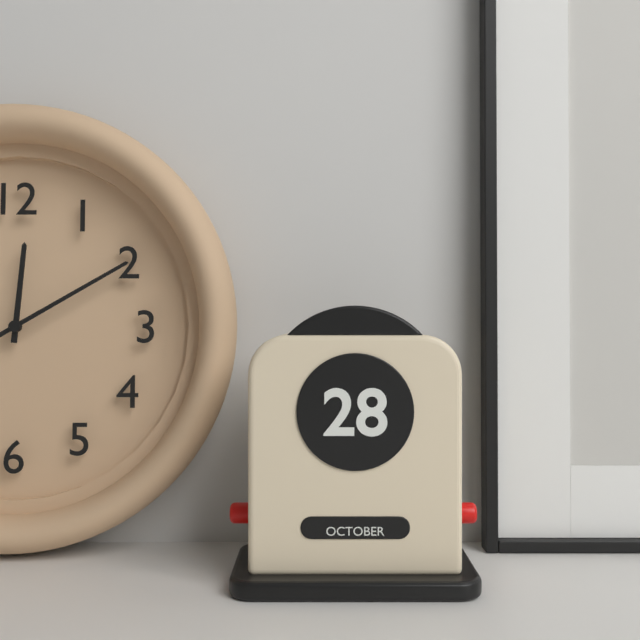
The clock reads 12,10
